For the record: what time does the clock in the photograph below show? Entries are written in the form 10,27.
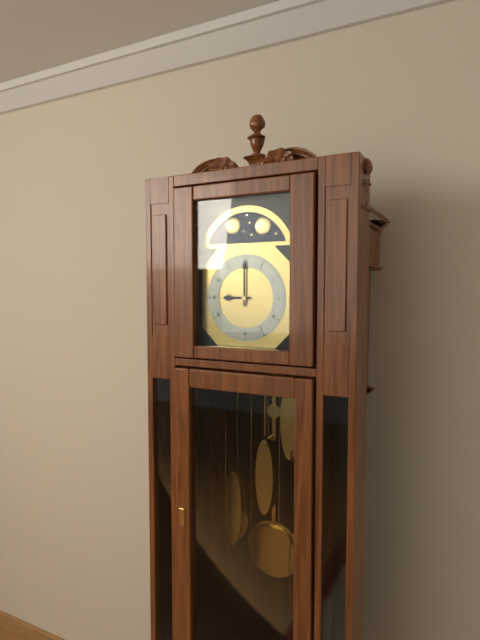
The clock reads 9,00
